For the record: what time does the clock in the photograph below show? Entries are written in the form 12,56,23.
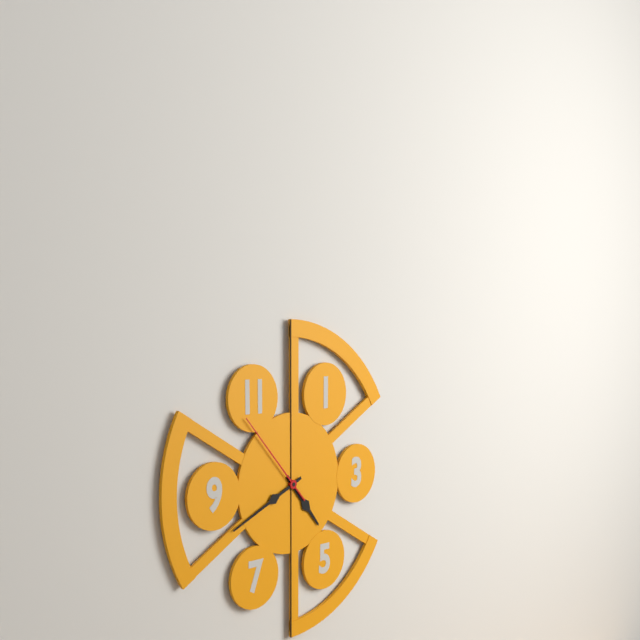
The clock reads 4,41,53
